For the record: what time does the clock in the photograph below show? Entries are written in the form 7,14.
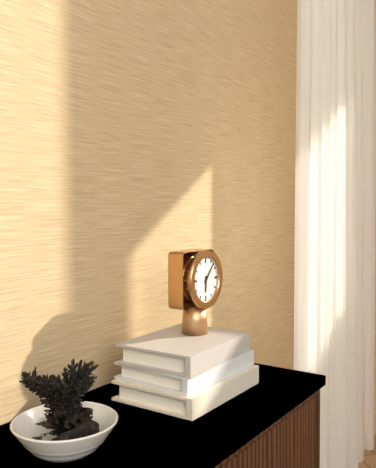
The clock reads 6,07
